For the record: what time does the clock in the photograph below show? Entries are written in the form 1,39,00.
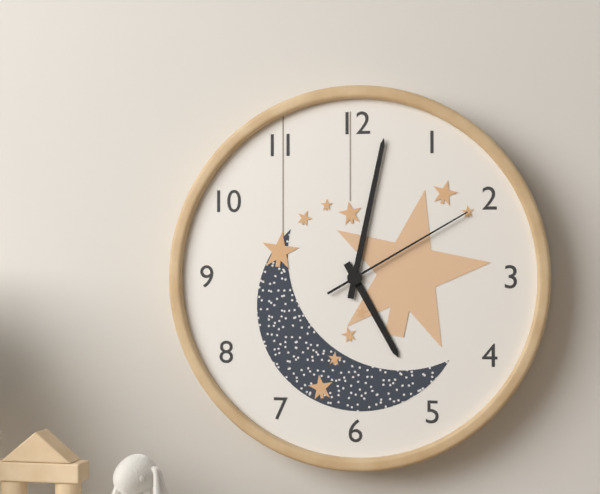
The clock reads 5,02,10
